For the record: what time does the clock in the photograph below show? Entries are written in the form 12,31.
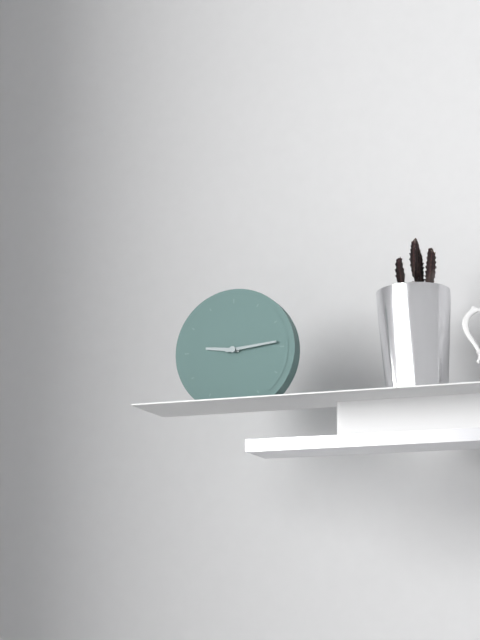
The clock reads 9,14
